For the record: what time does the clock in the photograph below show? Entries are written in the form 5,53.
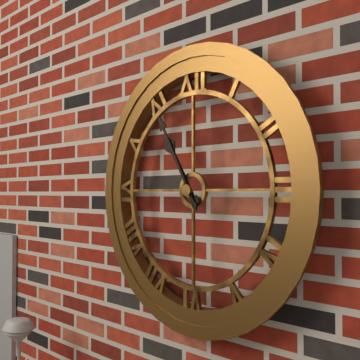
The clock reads 10,55
